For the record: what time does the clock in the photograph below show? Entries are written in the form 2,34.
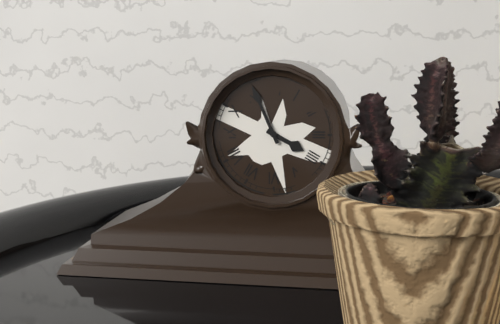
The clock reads 3,56
